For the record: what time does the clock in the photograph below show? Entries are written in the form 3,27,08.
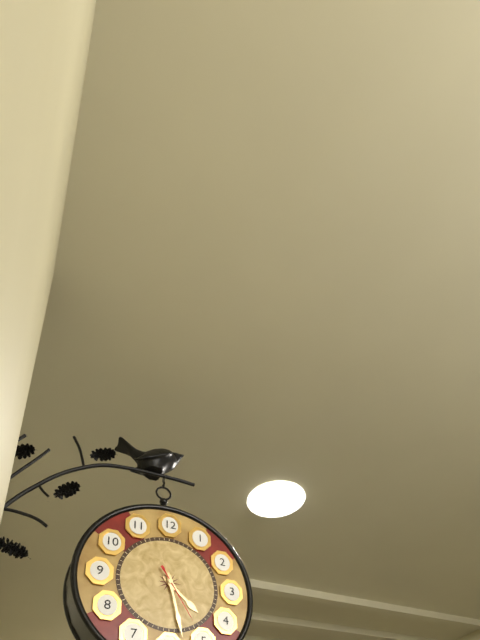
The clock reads 4,28,25
